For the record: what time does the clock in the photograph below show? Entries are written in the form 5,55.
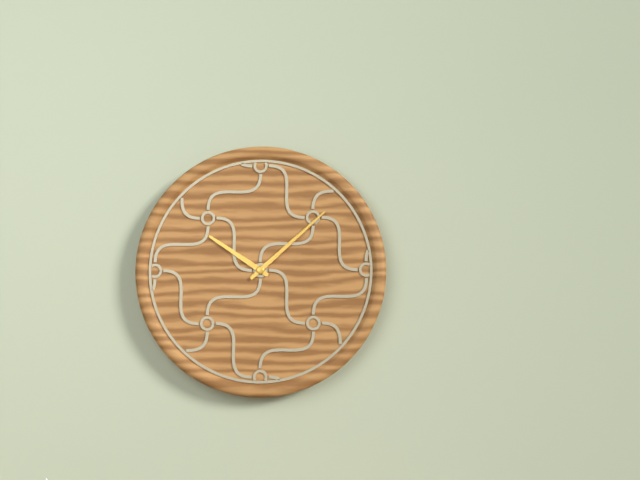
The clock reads 10,08
